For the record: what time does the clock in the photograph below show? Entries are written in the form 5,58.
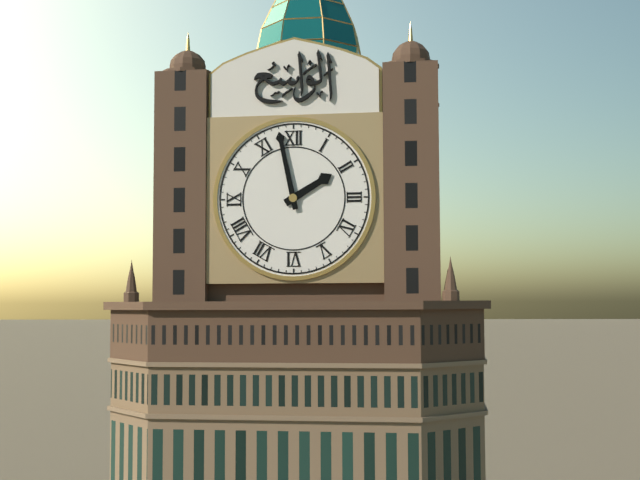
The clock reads 1,58
